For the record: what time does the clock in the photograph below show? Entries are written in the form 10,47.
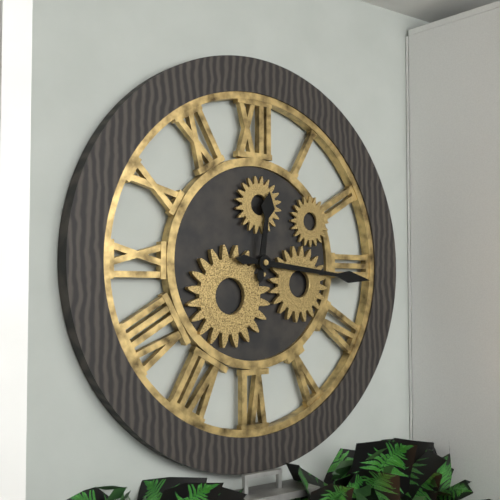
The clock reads 12,16
